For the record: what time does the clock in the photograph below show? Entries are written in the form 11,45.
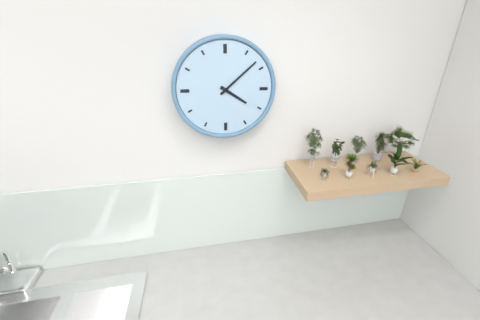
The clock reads 4,08
